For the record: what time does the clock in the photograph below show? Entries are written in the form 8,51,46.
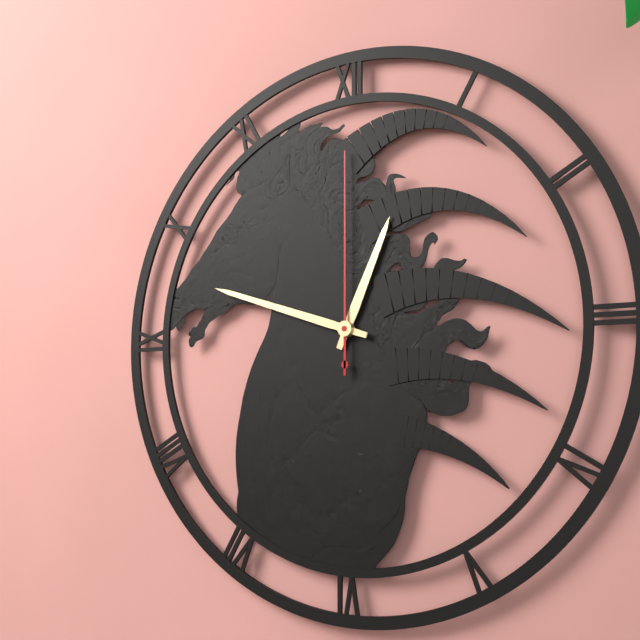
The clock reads 12,48,00
